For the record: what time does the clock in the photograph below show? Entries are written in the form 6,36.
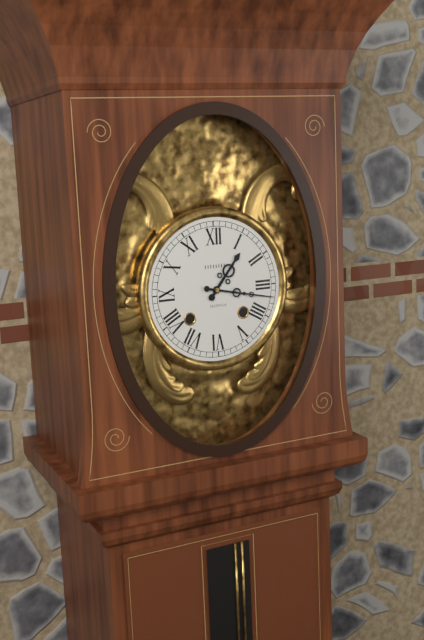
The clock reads 1,17
